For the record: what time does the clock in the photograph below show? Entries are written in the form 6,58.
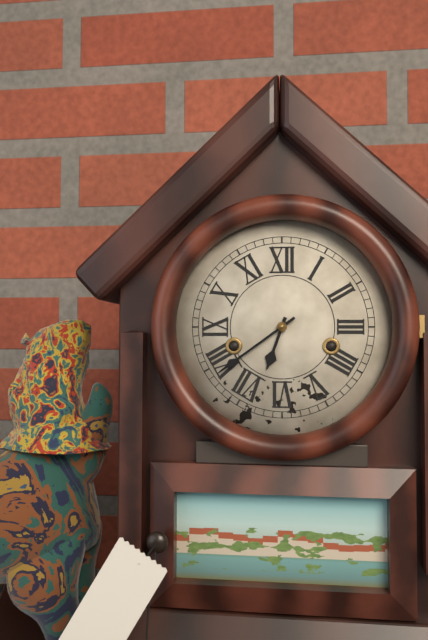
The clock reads 6,39
